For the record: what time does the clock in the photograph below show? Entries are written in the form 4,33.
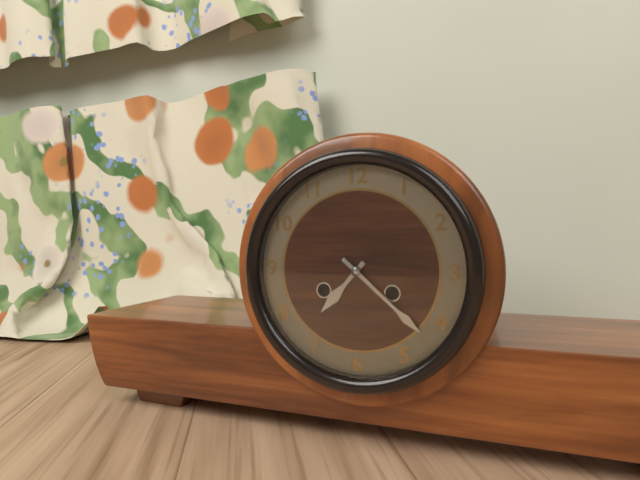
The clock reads 7,22
